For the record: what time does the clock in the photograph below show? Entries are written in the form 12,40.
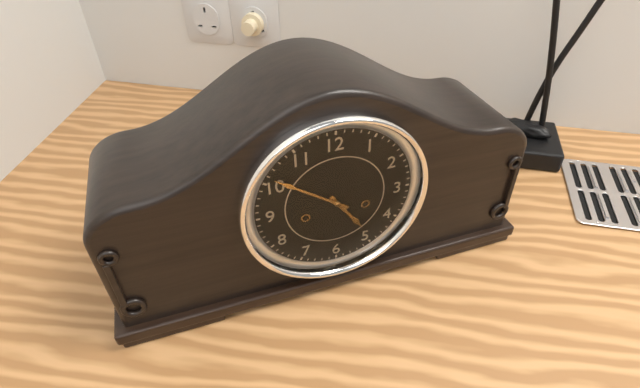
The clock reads 4,51
